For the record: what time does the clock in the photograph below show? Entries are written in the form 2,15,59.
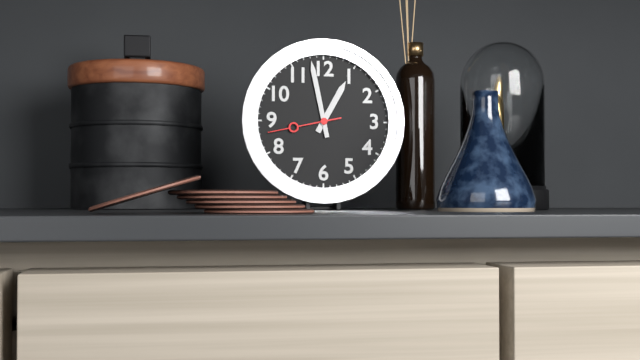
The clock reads 12,58,43
